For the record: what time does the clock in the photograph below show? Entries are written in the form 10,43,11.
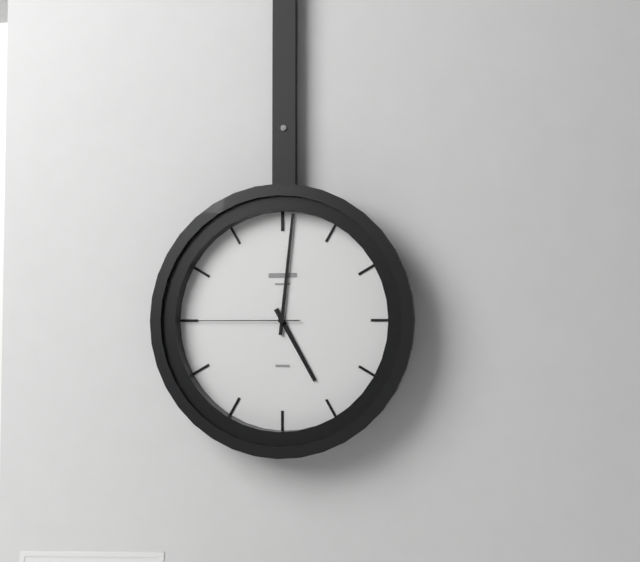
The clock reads 5,01,45
